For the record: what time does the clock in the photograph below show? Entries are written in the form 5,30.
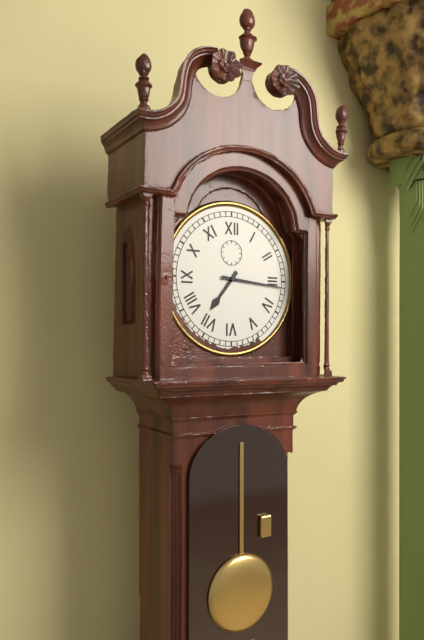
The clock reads 7,16
